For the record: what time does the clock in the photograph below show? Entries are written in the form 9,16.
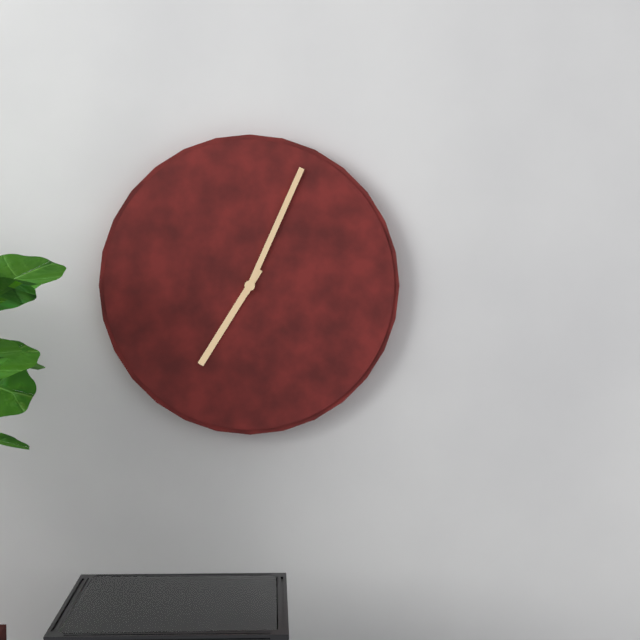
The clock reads 7,04
